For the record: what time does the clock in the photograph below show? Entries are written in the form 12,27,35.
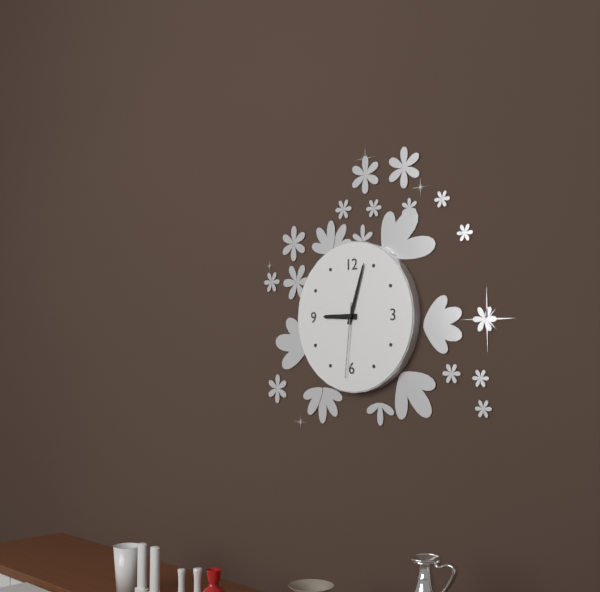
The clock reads 9,03,31
